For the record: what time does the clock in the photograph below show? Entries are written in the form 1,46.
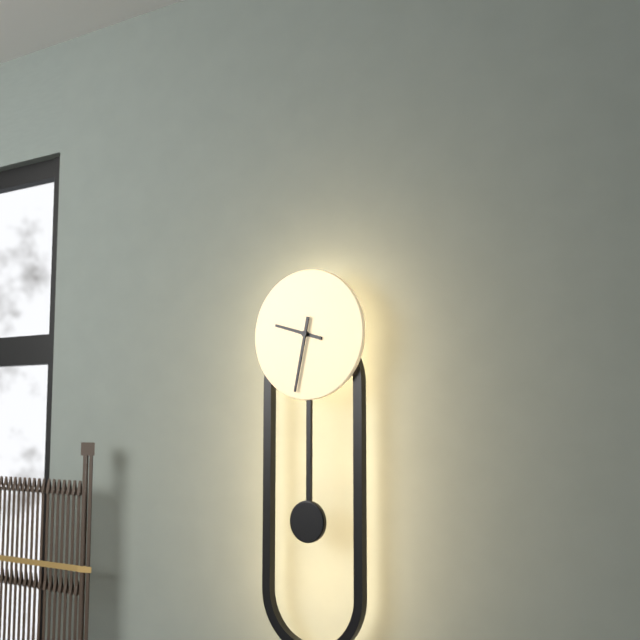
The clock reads 9,32
